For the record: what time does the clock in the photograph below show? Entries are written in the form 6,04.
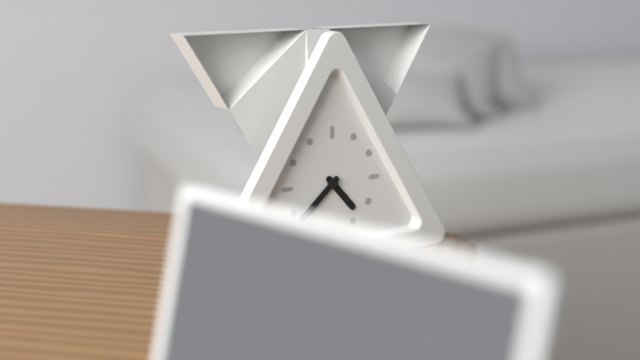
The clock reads 4,38
